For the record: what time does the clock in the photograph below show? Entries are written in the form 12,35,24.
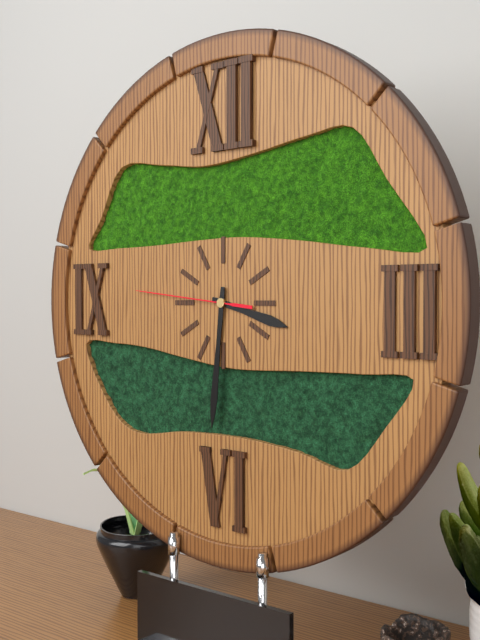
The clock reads 3,31,46
